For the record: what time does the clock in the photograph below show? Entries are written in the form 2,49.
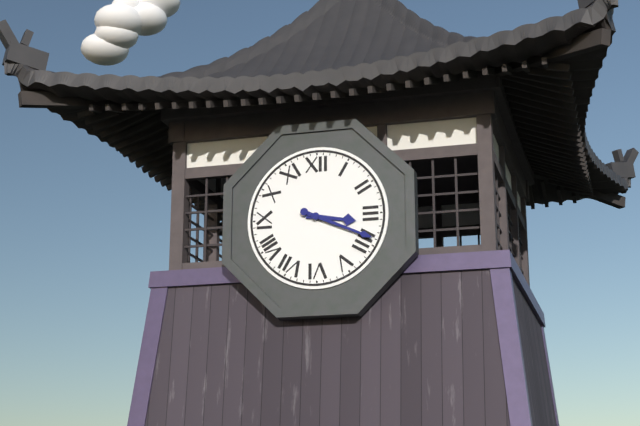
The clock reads 3,19
